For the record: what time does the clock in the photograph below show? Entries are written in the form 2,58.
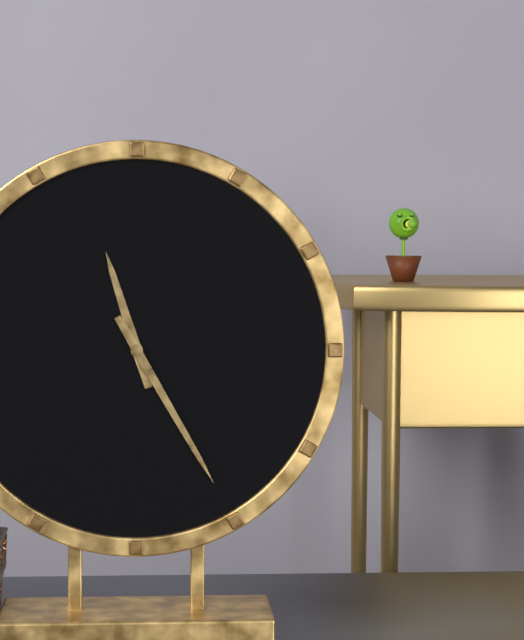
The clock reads 11,25
